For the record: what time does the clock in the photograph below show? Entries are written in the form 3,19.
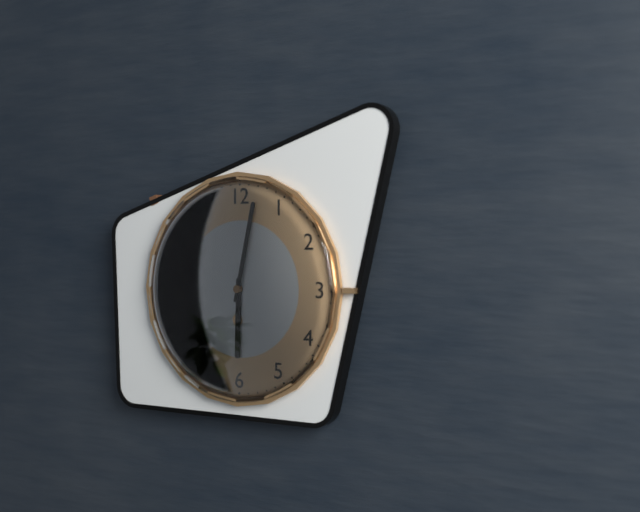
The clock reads 6,02
